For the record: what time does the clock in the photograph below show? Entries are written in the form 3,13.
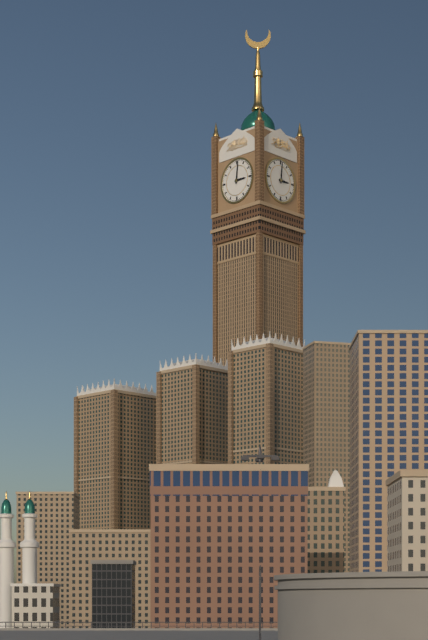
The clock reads 3,01
